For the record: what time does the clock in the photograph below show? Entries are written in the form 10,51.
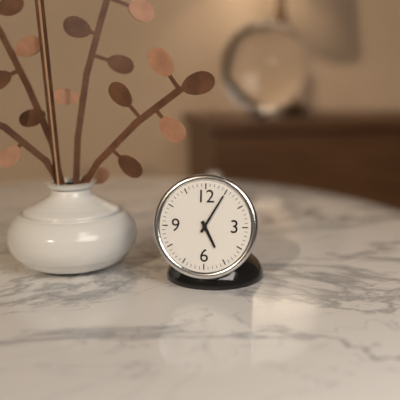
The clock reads 5,05
